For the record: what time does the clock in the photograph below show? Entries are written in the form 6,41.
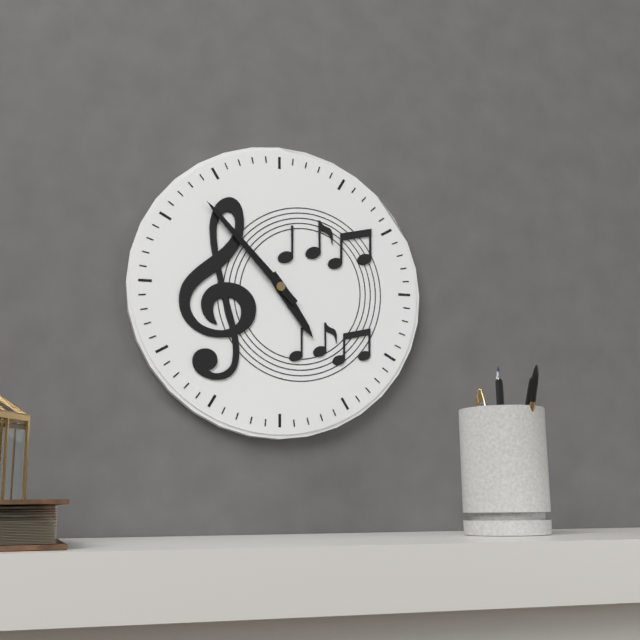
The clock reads 4,53
